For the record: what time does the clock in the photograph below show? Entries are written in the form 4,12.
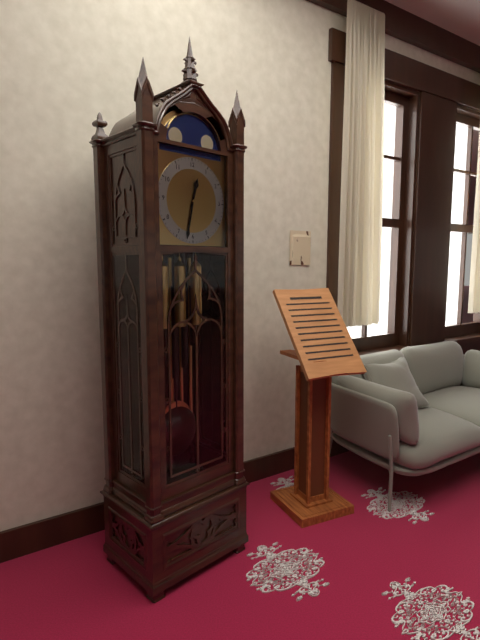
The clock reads 12,32
